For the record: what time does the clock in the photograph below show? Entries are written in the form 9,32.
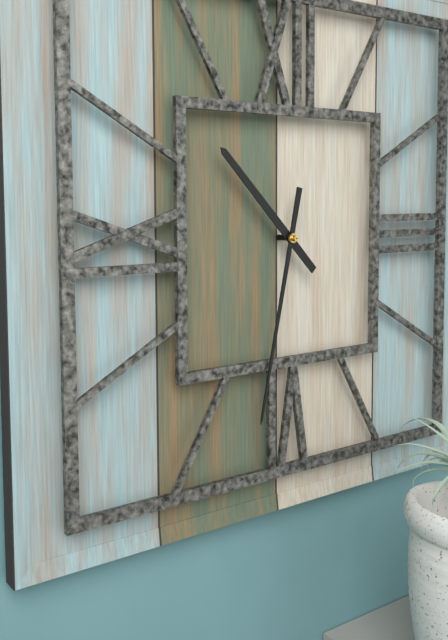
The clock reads 10,32
